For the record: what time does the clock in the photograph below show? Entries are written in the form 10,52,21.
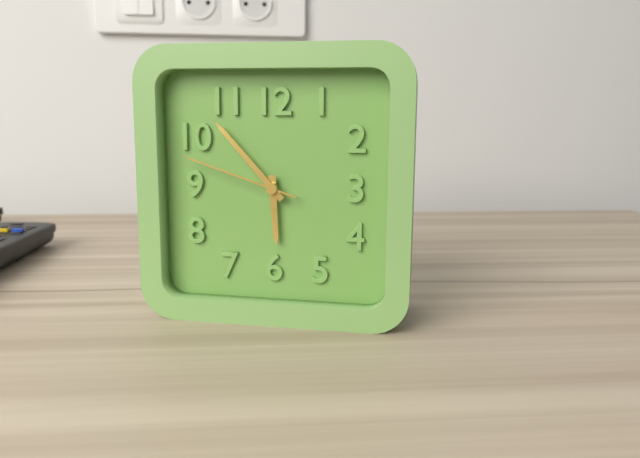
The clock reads 5,53,48
